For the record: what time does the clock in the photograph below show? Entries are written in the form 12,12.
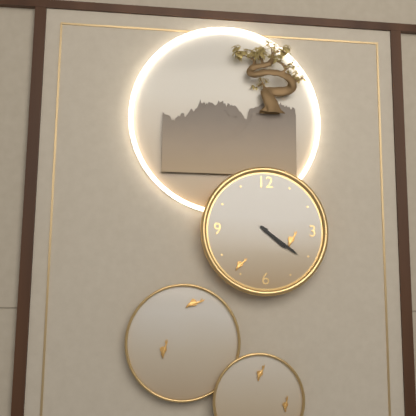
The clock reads 4,21
